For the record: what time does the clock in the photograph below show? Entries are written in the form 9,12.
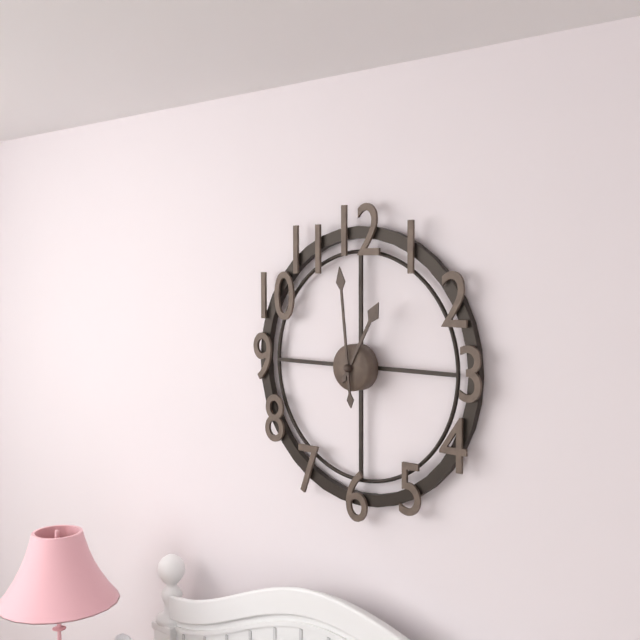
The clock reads 12,59
